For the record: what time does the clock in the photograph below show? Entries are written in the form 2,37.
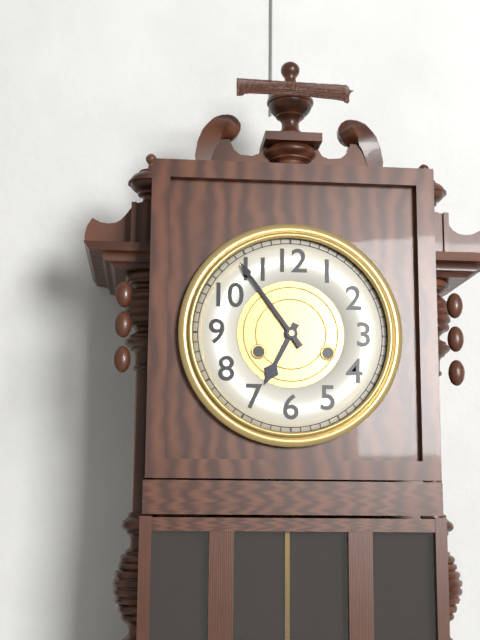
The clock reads 6,54
